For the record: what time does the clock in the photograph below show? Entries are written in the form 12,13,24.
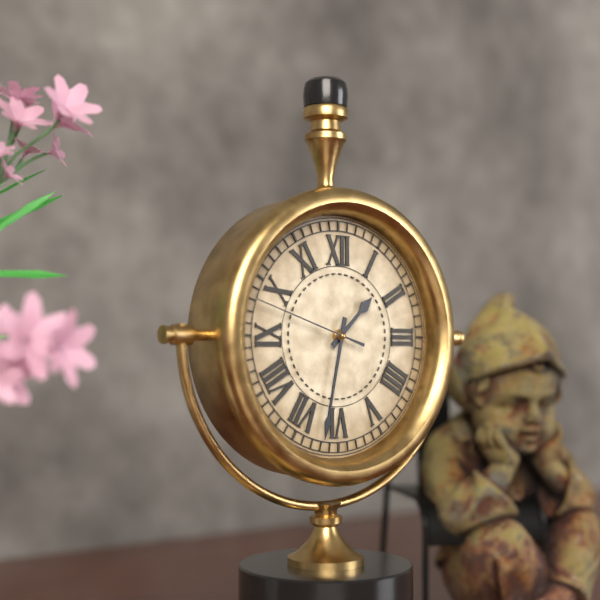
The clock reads 1,32,48
